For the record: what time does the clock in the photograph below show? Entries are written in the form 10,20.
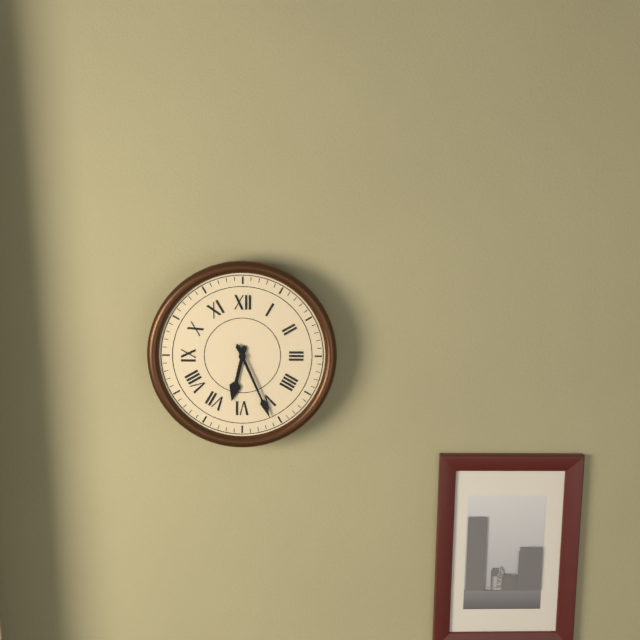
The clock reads 6,26
